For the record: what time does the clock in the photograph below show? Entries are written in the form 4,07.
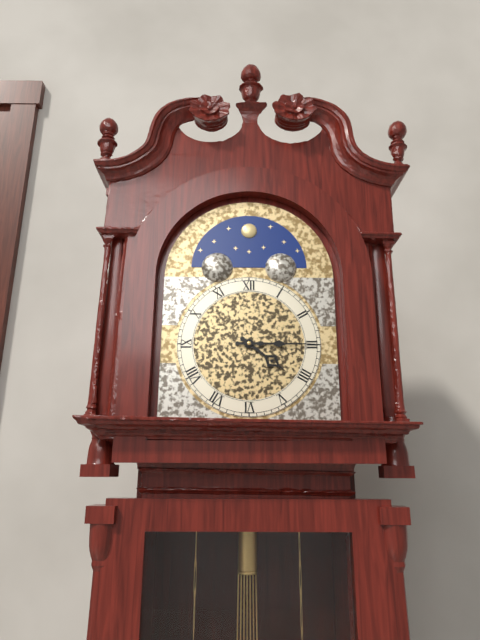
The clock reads 4,15
